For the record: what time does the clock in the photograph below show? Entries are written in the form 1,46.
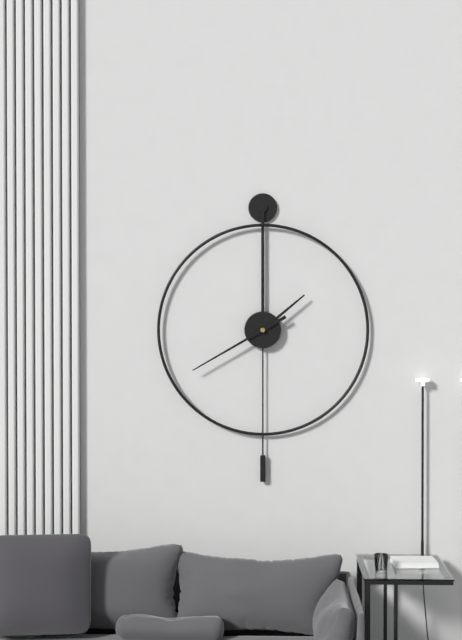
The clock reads 1,40
